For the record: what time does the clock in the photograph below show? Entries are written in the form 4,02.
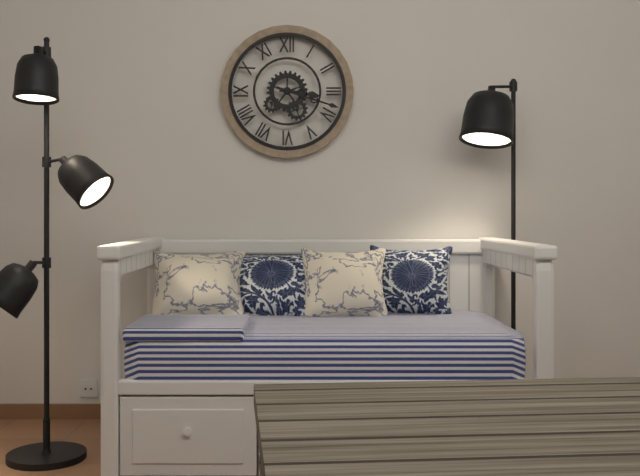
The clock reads 3,18
